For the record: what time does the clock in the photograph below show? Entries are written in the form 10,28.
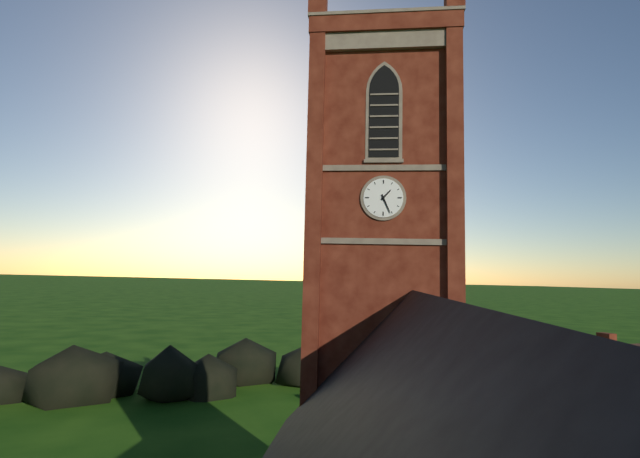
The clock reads 1,26
